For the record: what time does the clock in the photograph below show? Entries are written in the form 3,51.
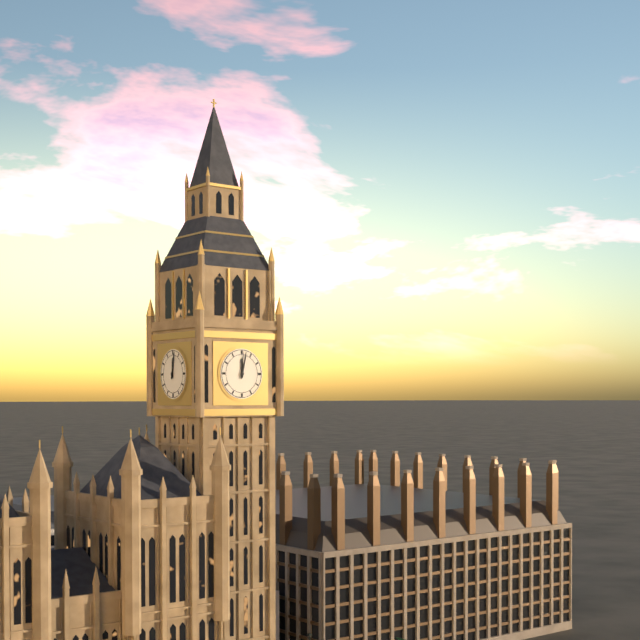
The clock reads 12,02
